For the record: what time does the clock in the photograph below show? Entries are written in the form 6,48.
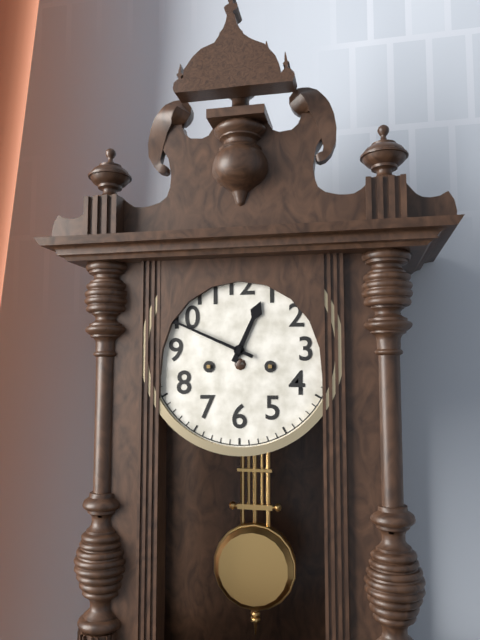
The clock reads 12,49
